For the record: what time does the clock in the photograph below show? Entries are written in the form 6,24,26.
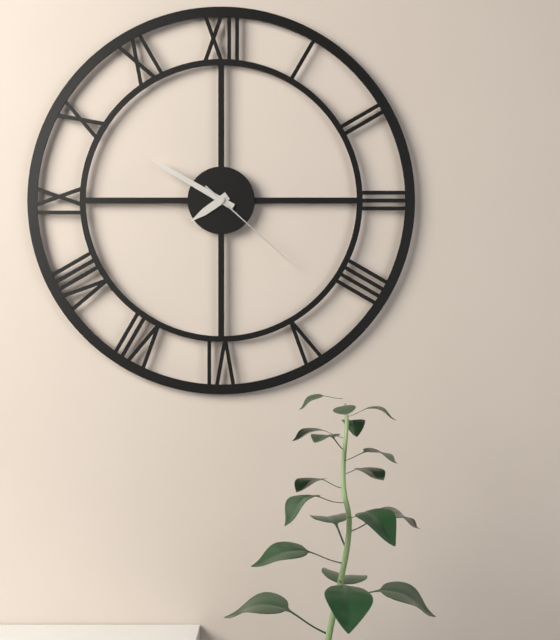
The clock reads 7,50,22
